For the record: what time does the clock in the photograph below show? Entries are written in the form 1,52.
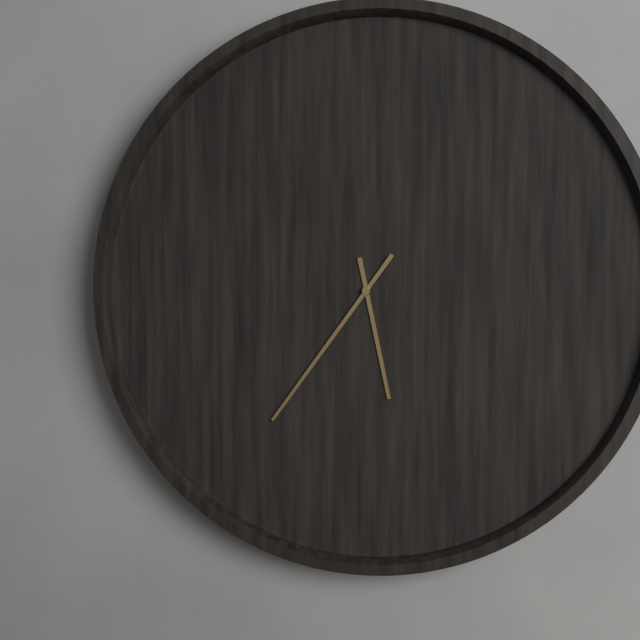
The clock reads 5,36
